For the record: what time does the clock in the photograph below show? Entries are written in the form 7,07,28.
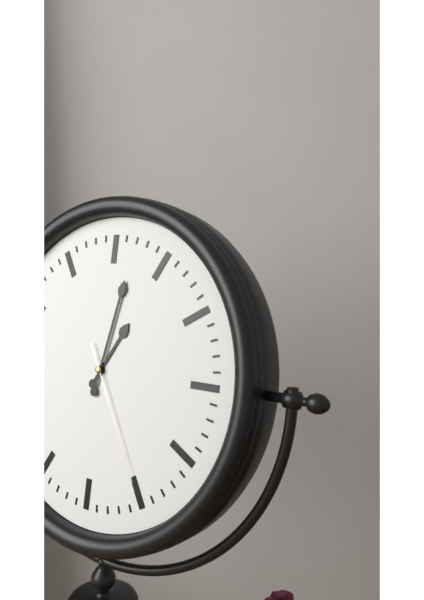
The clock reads 1,02,25
